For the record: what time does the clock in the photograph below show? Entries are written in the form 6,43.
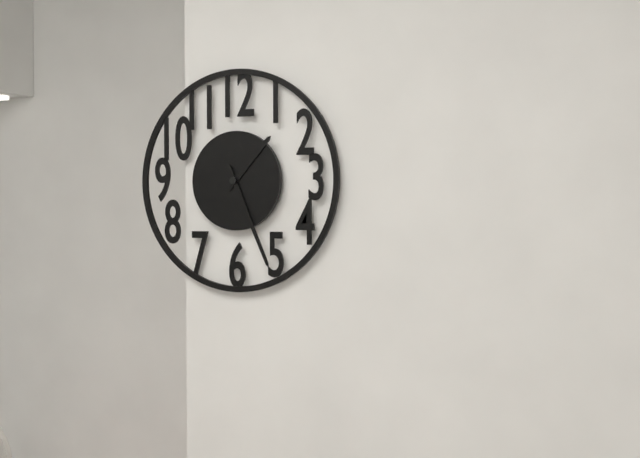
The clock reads 1,26
